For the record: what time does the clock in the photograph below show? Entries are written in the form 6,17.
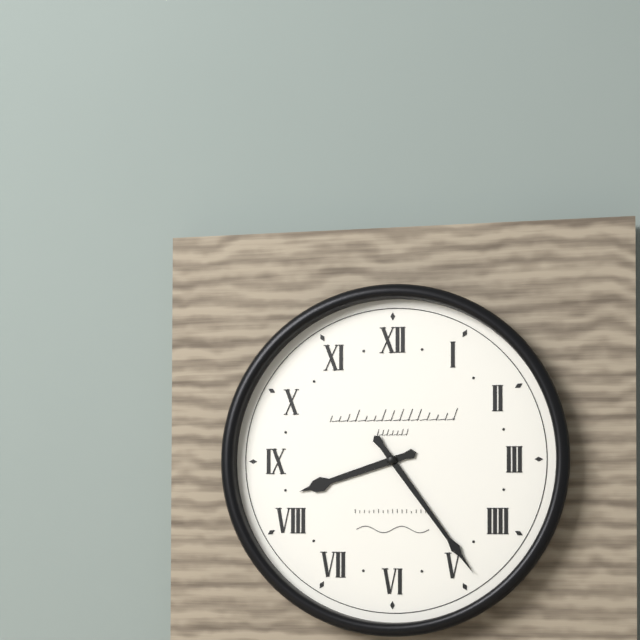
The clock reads 8,24
